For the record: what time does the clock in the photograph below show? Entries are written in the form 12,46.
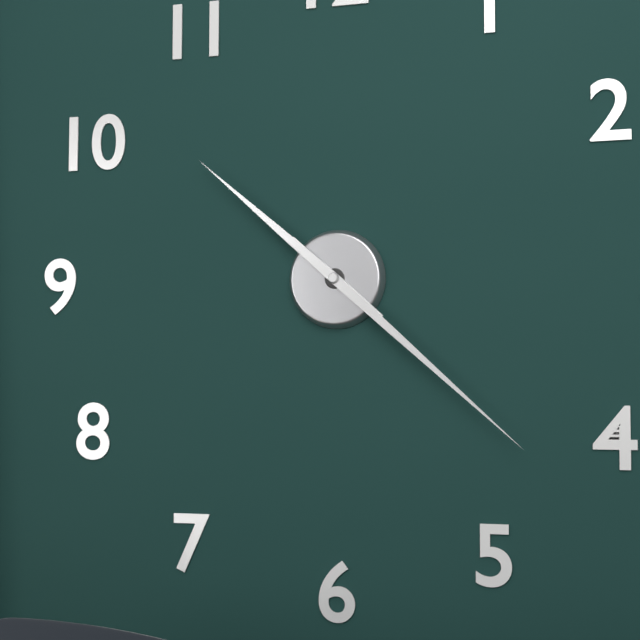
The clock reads 10,22
